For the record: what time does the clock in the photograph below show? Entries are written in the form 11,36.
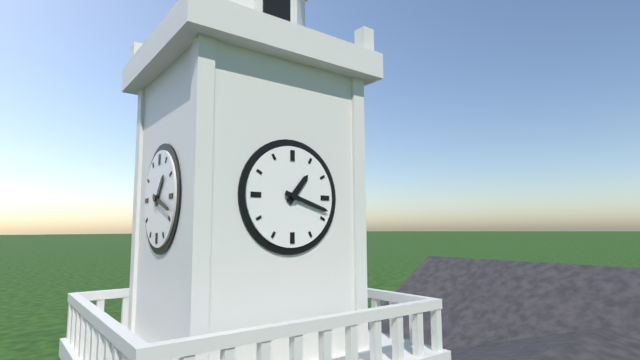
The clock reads 1,18
